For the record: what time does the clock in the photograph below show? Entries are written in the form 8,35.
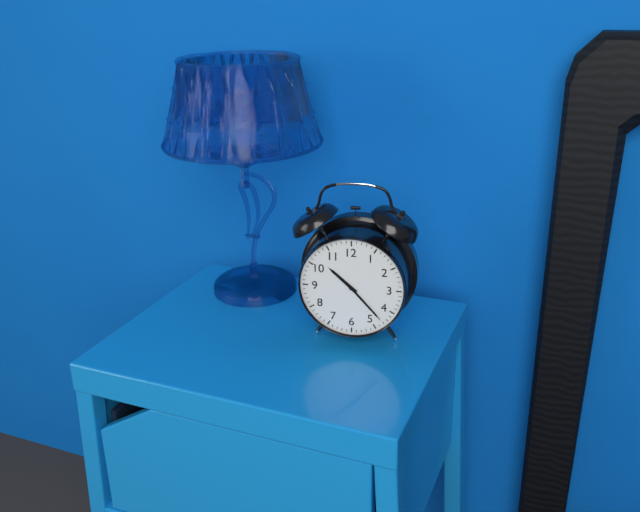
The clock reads 10,23
